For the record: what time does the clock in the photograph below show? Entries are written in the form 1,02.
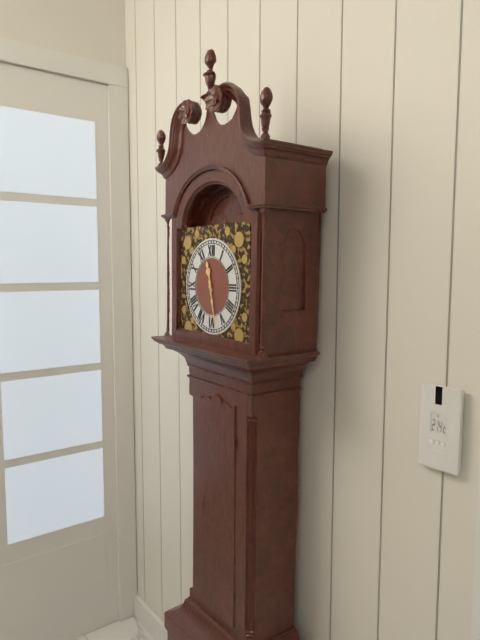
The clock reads 11,28
